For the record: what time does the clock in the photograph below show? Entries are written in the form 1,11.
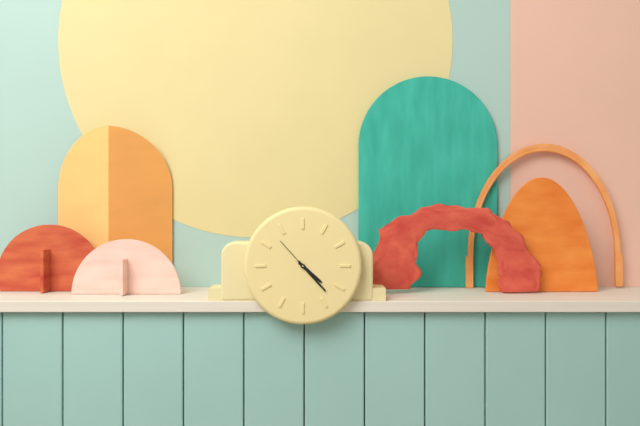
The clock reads 4,23
